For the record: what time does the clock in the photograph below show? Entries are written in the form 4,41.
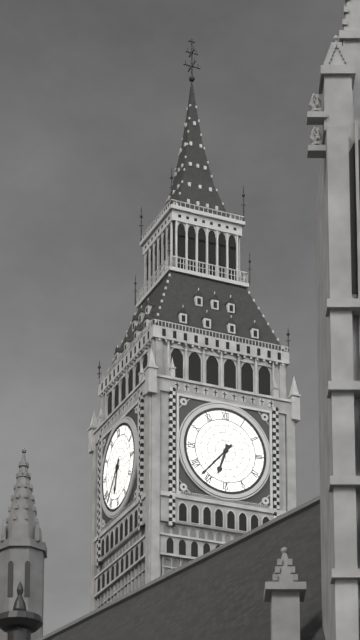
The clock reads 6,37
